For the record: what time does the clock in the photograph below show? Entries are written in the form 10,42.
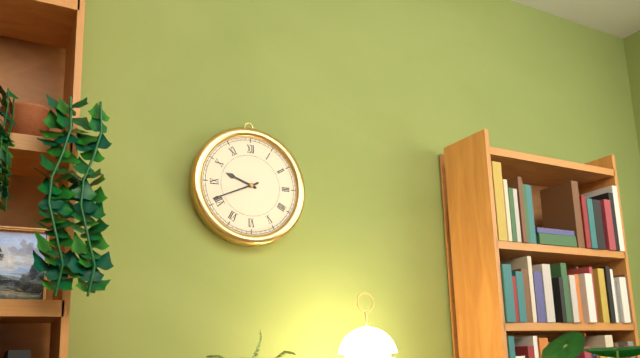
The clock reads 9,41
